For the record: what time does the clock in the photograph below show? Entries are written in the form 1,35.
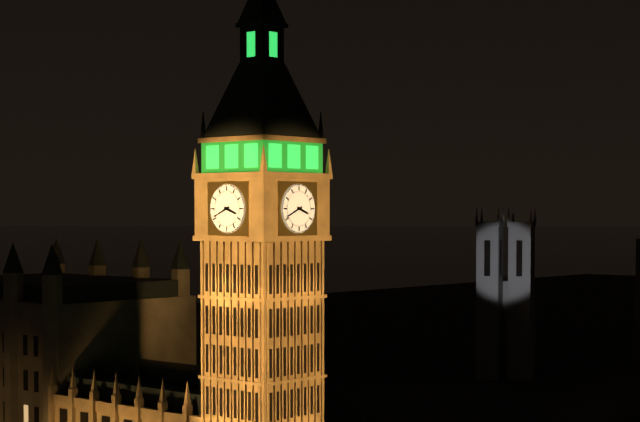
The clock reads 3,41
